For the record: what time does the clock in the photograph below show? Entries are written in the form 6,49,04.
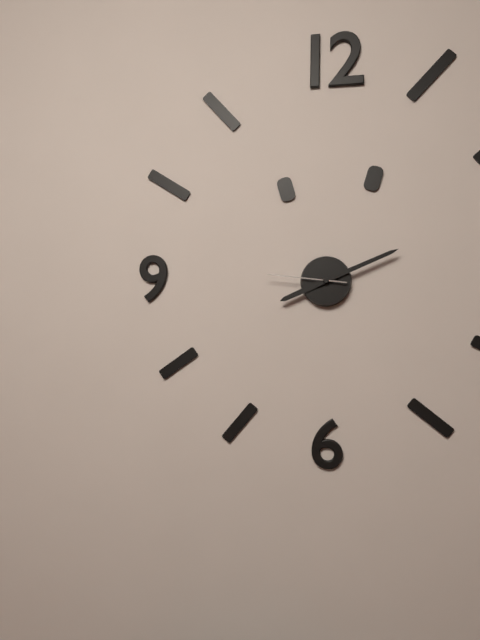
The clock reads 8,11,46
